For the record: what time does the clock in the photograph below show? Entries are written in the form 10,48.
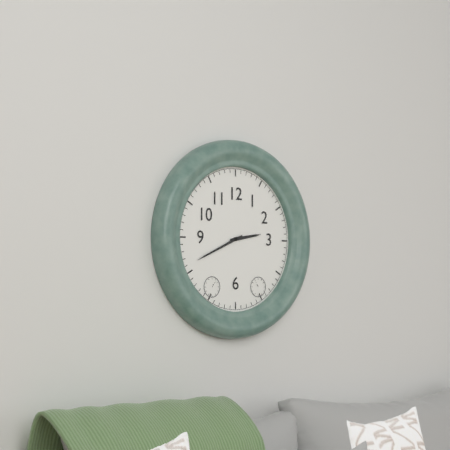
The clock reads 2,41
